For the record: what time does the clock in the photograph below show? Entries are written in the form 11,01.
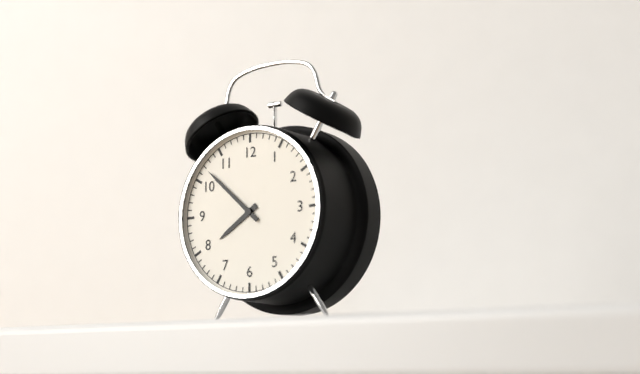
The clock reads 7,52
